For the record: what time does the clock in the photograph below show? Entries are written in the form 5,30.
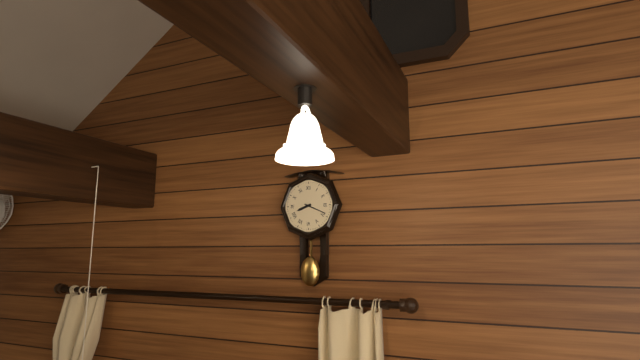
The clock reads 8,19
